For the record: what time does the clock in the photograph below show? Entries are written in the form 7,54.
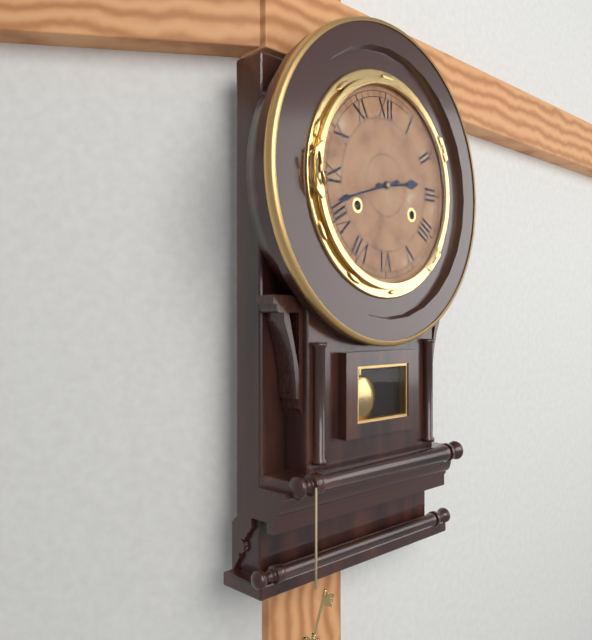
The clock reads 2,42
